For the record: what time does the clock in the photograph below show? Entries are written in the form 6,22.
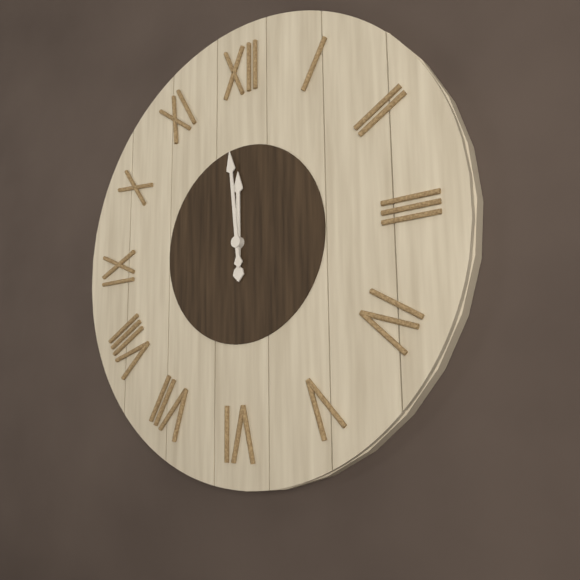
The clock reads 11,59
